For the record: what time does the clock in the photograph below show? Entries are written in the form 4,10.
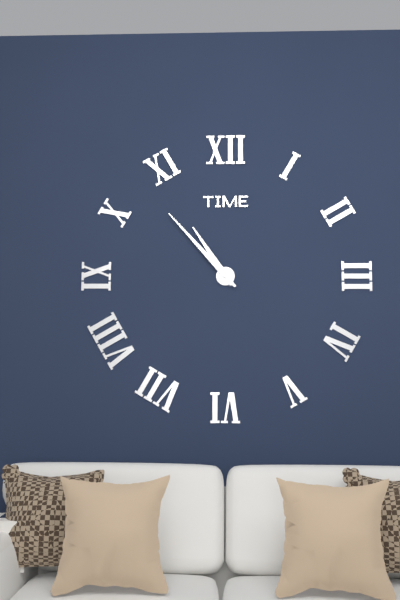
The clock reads 10,53
